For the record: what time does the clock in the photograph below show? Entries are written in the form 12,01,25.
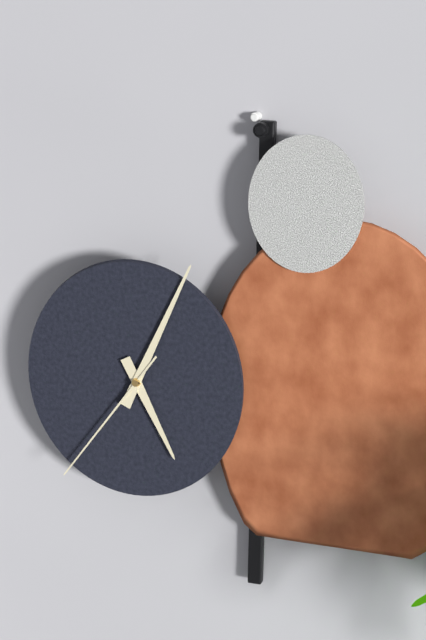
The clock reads 5,04,36
